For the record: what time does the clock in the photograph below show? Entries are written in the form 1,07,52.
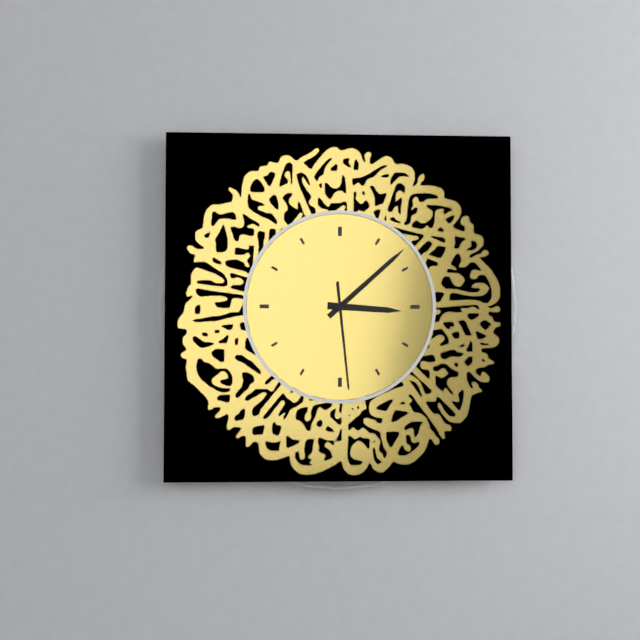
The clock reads 3,08,29
